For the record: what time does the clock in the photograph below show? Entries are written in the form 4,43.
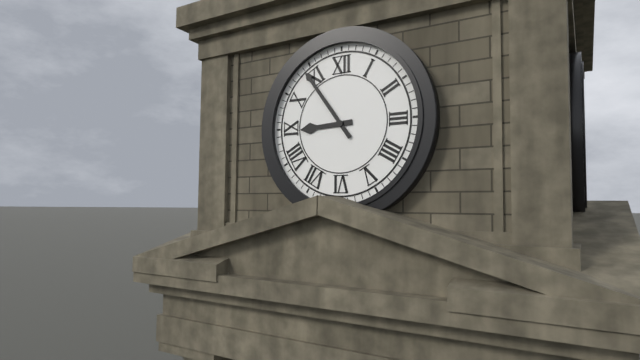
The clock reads 8,54
